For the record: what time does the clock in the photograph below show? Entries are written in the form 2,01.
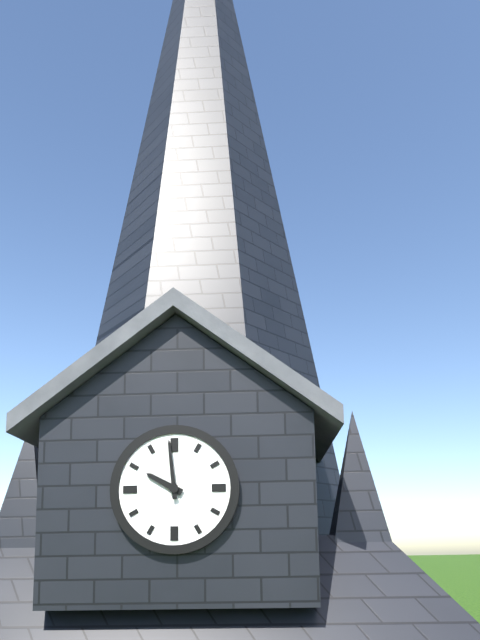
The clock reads 9,59
